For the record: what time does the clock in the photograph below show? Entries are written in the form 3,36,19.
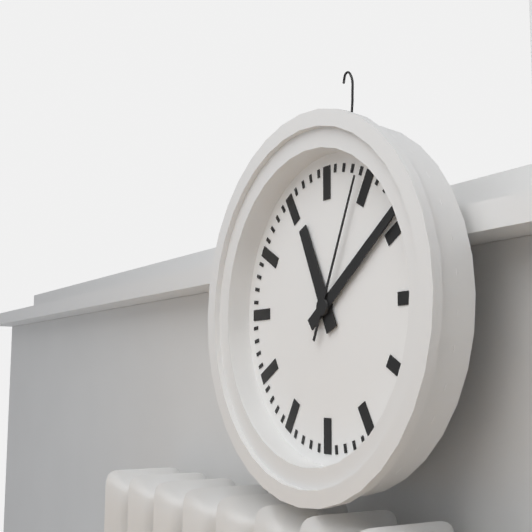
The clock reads 11,09,04
